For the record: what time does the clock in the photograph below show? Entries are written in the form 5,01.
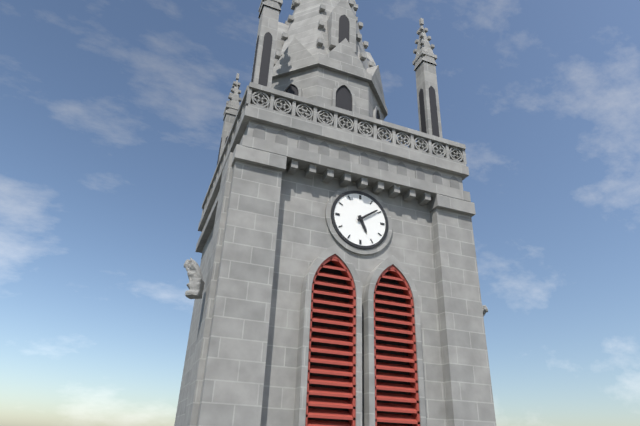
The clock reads 5,09
